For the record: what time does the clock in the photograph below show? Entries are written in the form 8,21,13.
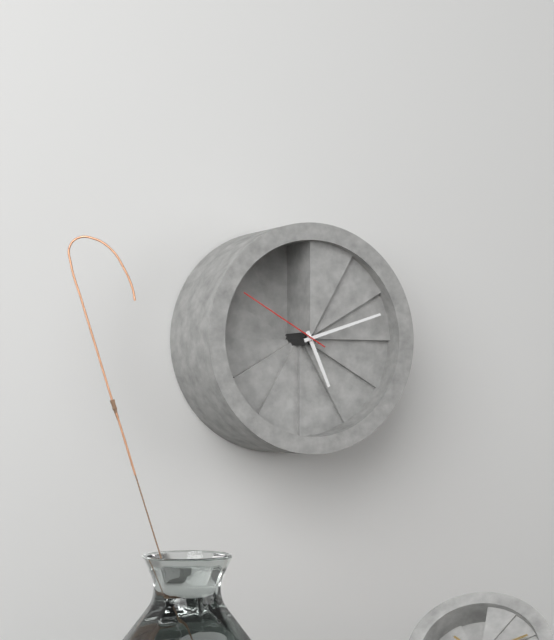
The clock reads 5,12,50
